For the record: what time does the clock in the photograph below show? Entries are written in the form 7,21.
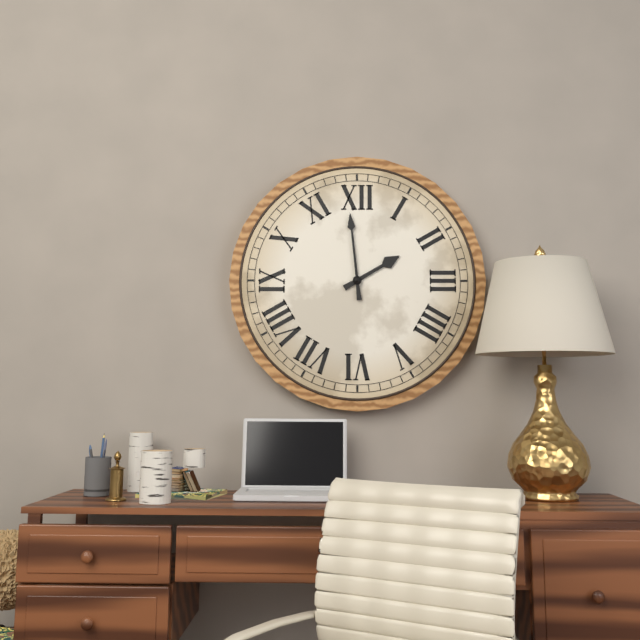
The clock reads 1,59
